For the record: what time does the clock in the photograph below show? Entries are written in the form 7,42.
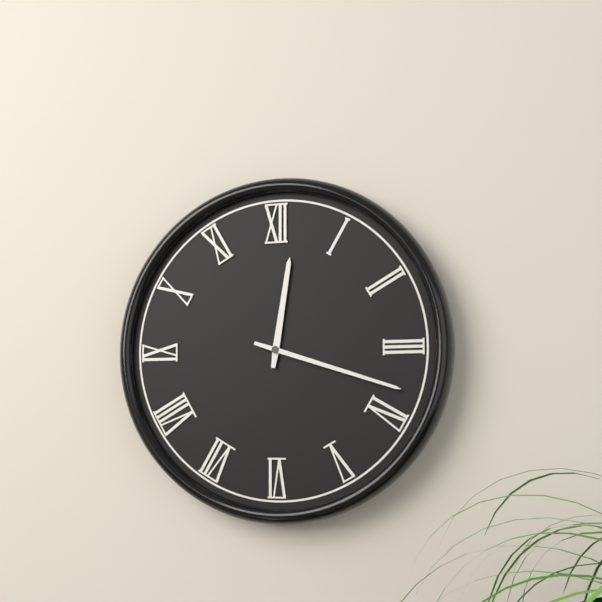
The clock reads 12,18
